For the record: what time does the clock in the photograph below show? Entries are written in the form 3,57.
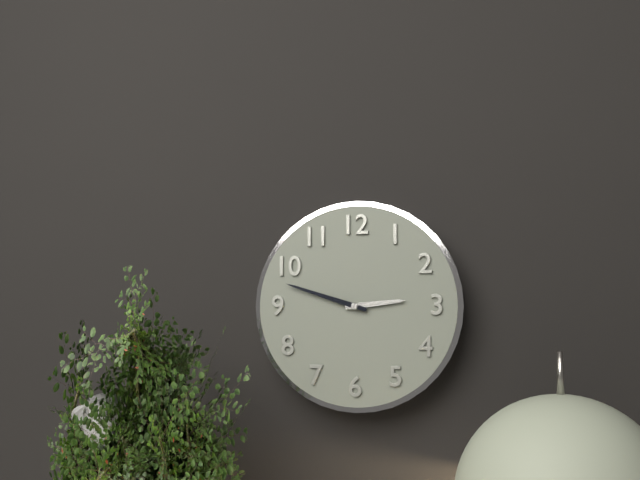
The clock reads 2,48
